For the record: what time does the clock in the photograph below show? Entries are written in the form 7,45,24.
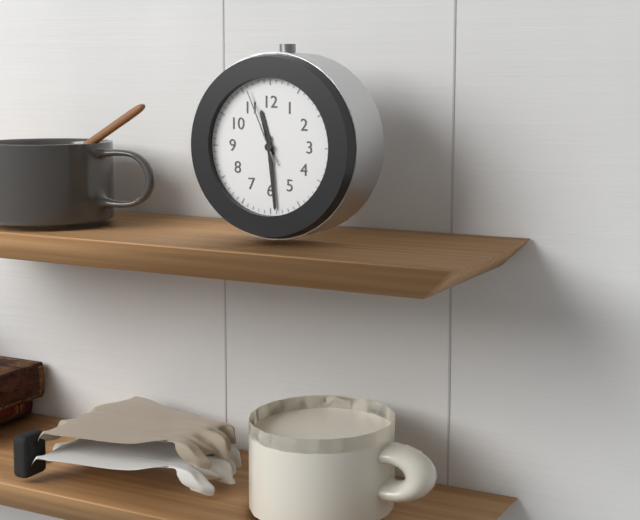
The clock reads 11,29,56
